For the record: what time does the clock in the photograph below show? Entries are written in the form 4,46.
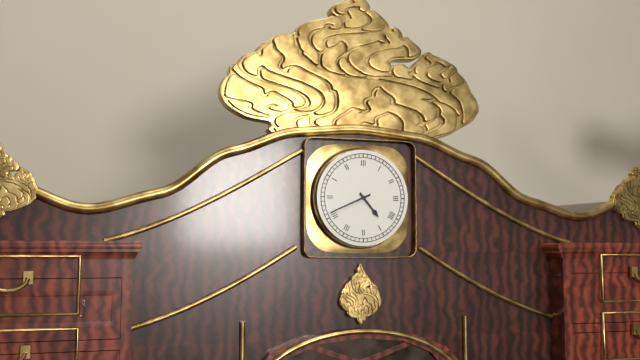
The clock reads 4,41
